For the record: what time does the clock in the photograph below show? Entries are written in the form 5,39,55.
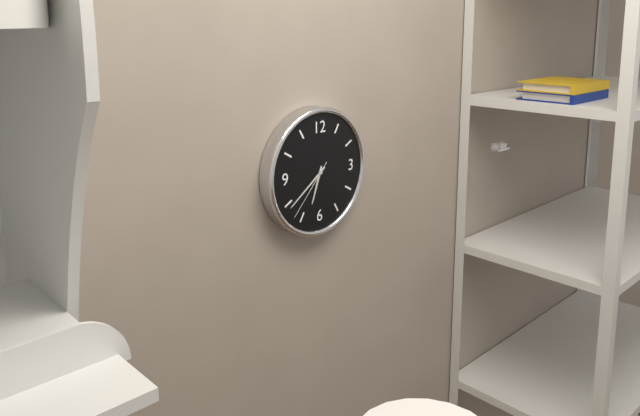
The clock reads 6,39,37
